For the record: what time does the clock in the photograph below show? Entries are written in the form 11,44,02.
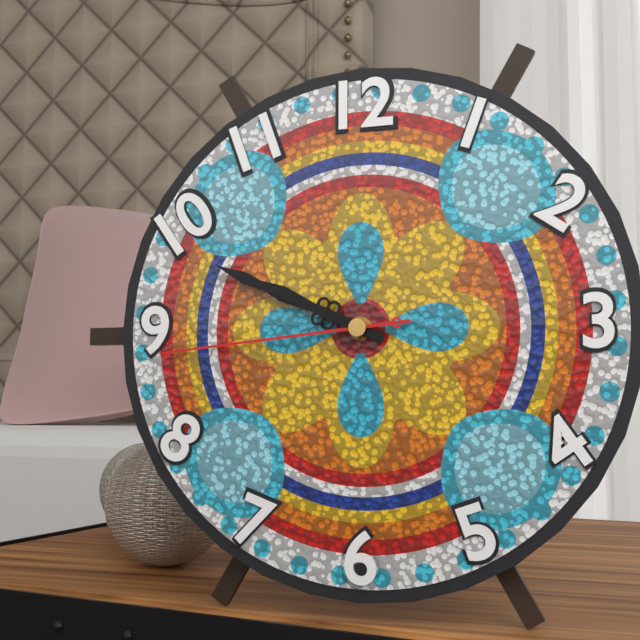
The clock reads 9,49,44
